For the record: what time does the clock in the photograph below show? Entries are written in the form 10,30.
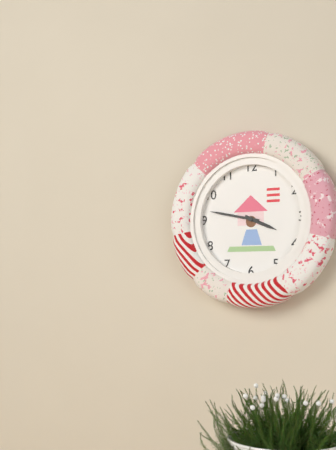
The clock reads 3,47
